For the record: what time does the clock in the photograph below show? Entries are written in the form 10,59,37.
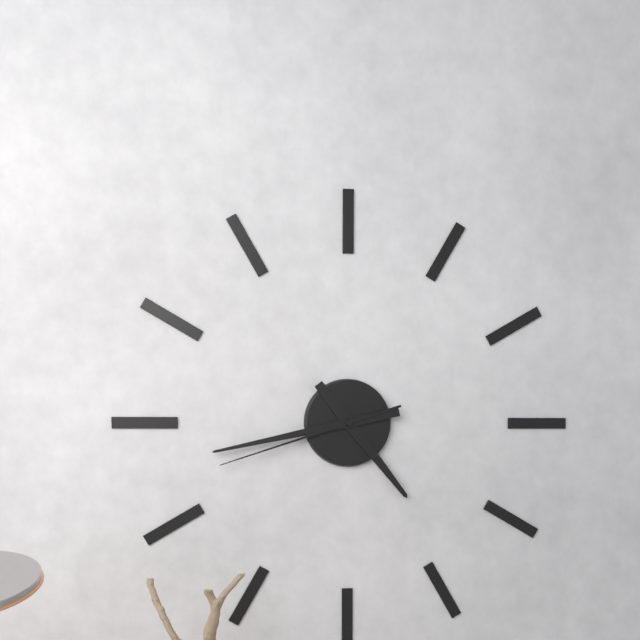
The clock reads 4,43,42
